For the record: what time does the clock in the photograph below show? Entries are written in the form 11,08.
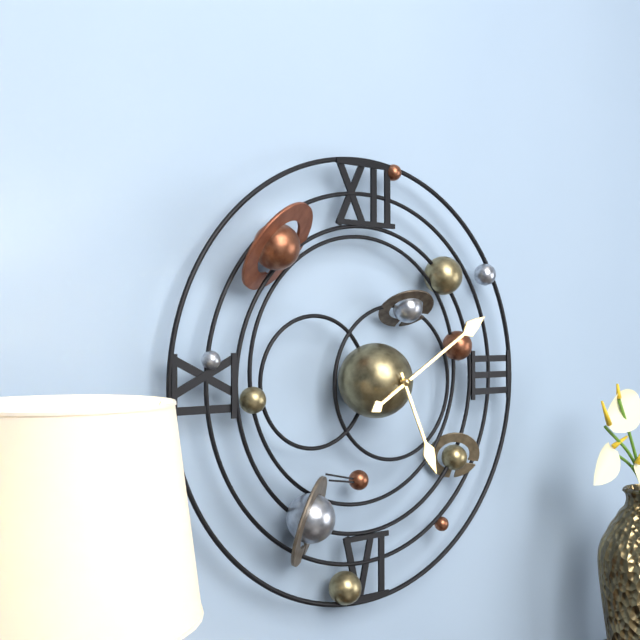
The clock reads 5,10
